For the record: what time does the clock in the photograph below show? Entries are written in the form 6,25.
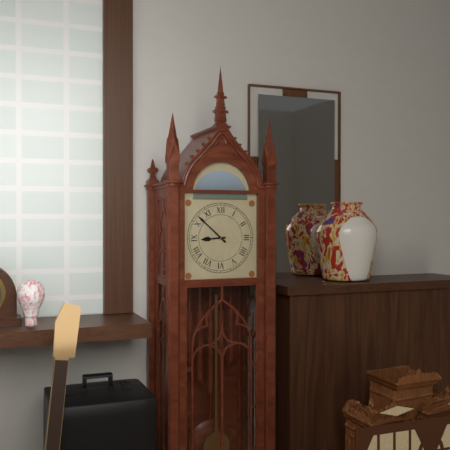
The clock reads 8,52
